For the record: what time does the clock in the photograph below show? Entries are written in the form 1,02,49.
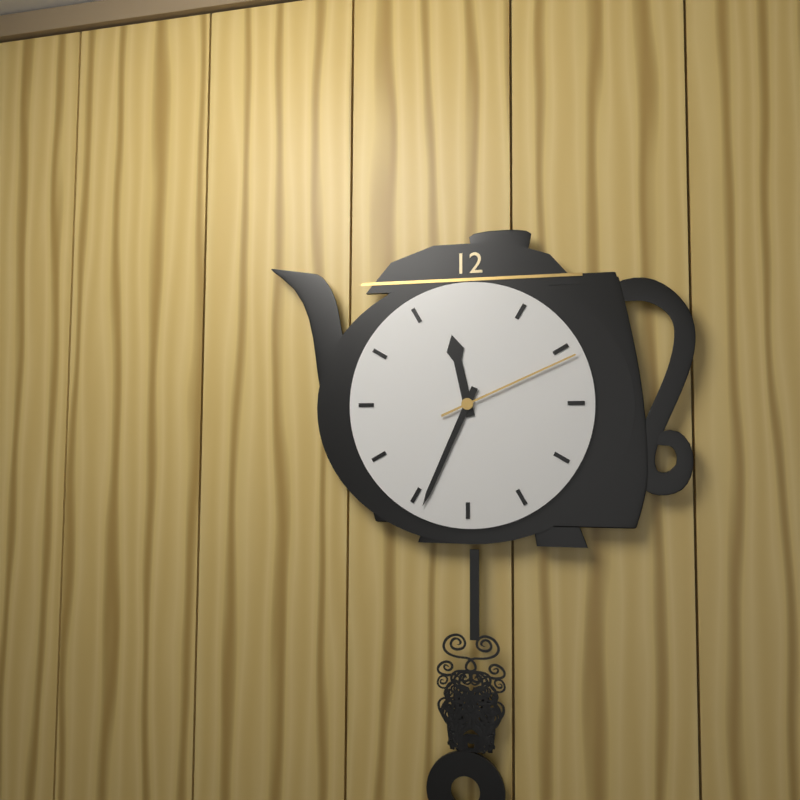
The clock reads 11,34,11
